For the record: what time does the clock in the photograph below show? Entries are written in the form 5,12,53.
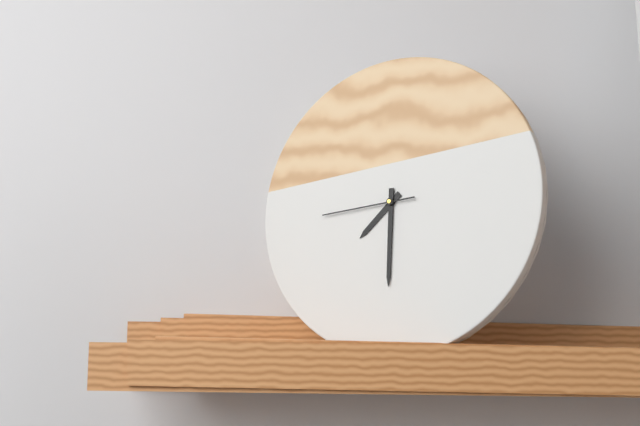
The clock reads 7,30,44
